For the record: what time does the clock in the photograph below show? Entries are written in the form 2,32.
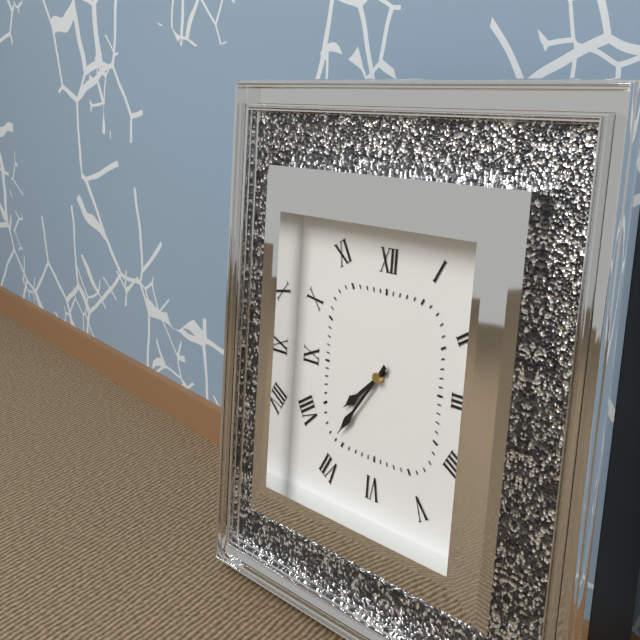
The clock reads 7,36
